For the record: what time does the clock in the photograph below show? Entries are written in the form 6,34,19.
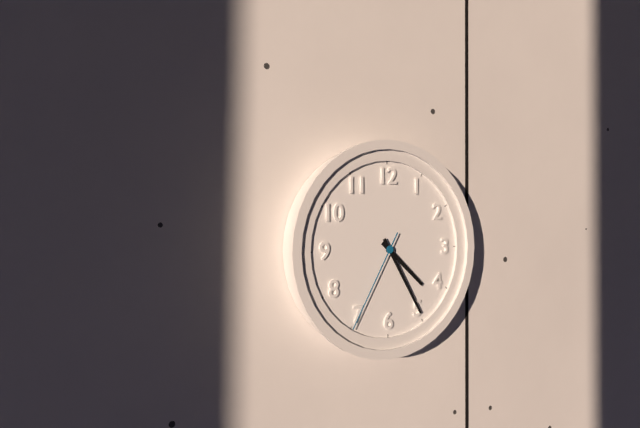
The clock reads 4,25,35
